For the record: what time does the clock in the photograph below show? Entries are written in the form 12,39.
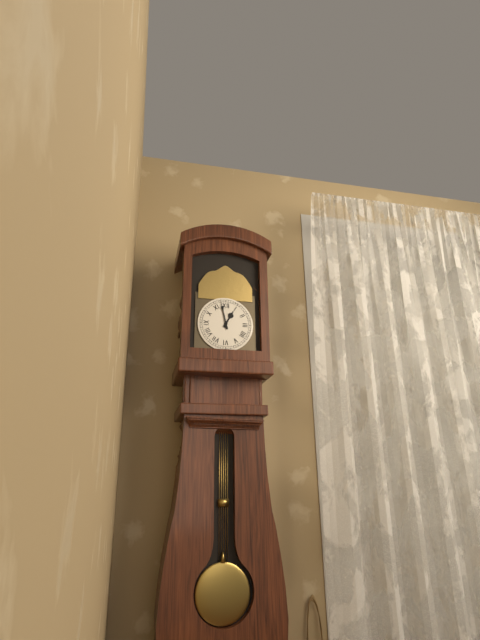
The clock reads 12,58
